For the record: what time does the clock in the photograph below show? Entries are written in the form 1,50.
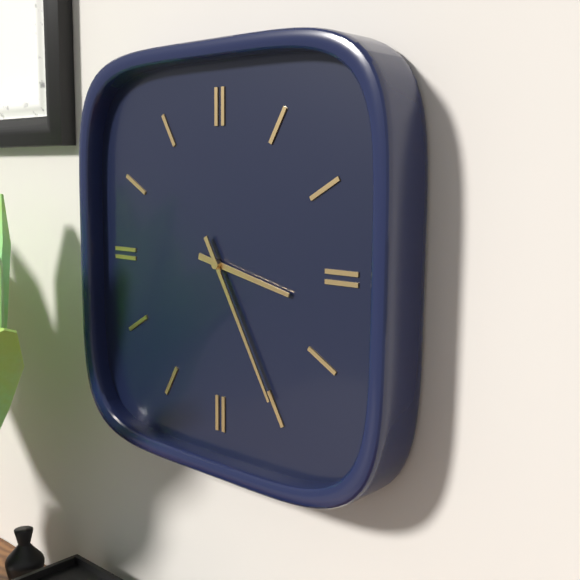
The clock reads 3,25
